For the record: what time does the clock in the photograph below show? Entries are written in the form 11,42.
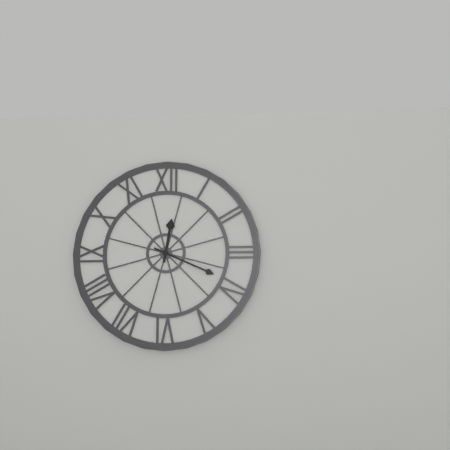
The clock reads 12,19
